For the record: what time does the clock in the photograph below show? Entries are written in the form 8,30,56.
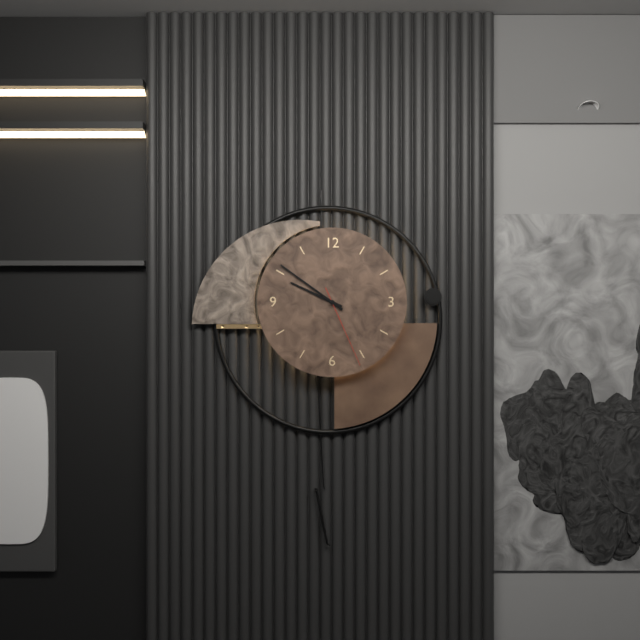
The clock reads 9,51,26
